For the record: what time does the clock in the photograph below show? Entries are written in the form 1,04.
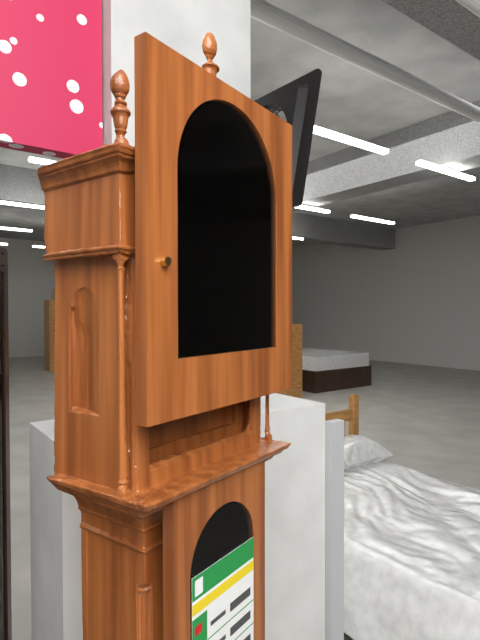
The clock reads 3,54
